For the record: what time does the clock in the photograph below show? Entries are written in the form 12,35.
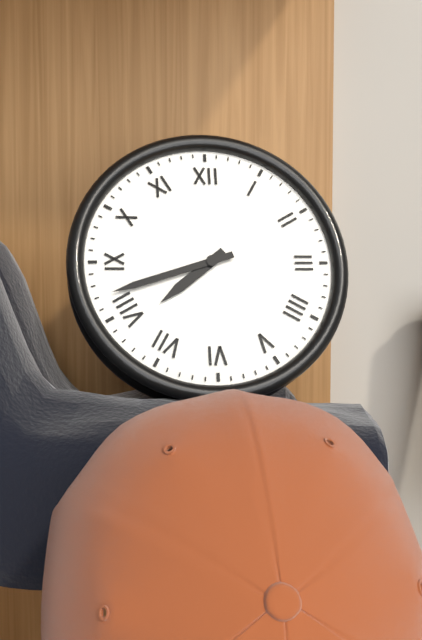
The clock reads 7,42
